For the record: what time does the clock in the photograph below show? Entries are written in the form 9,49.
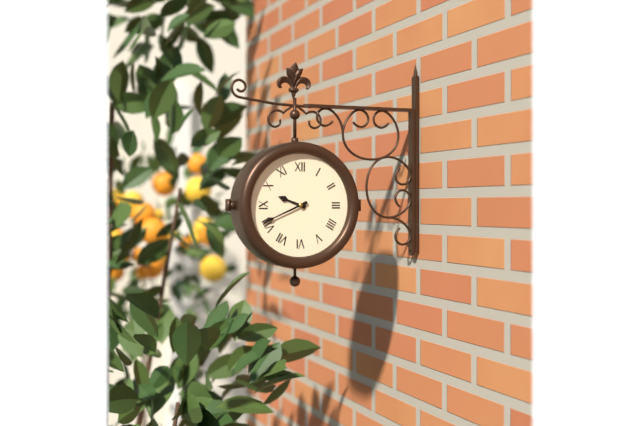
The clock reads 9,41
